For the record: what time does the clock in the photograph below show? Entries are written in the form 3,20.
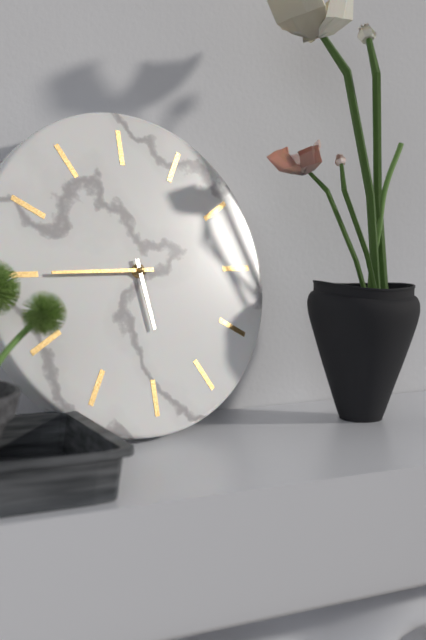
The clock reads 5,45
